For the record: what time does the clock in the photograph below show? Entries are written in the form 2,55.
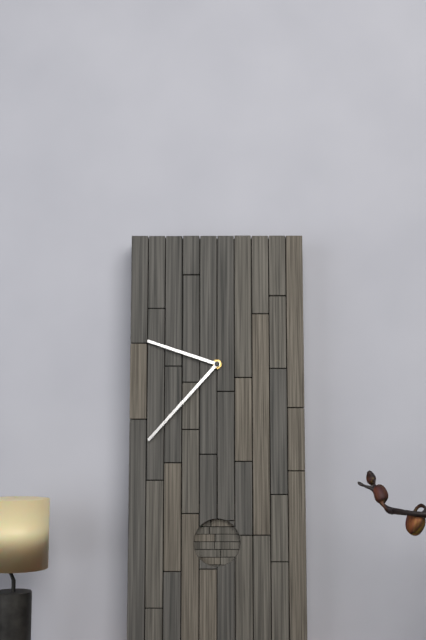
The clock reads 9,37
